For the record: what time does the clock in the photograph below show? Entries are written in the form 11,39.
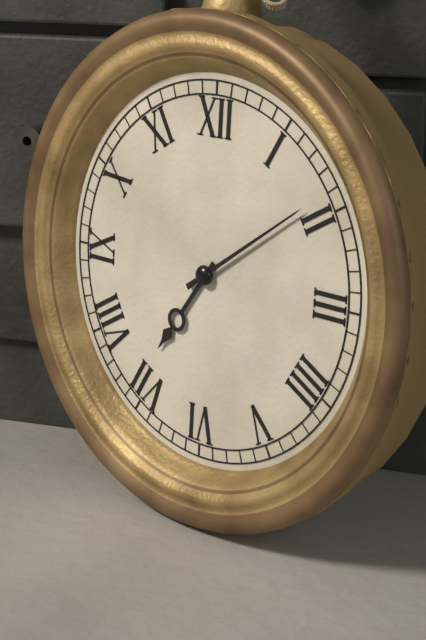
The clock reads 7,09
